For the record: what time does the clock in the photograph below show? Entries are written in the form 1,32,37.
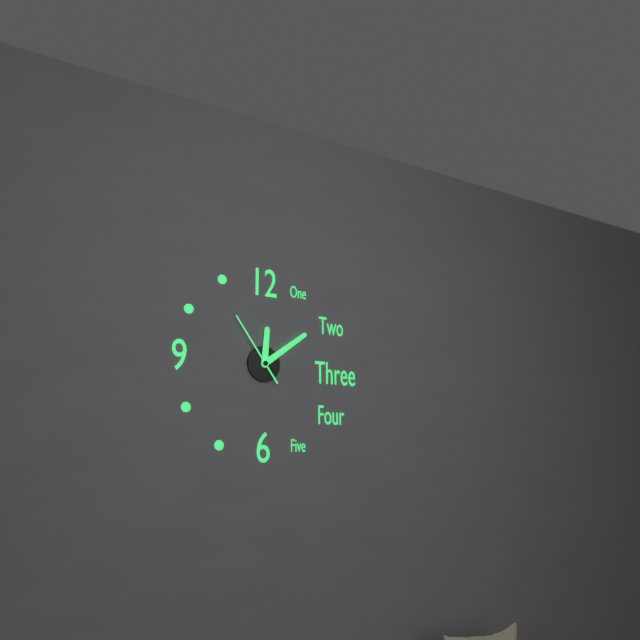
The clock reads 12,09,54
